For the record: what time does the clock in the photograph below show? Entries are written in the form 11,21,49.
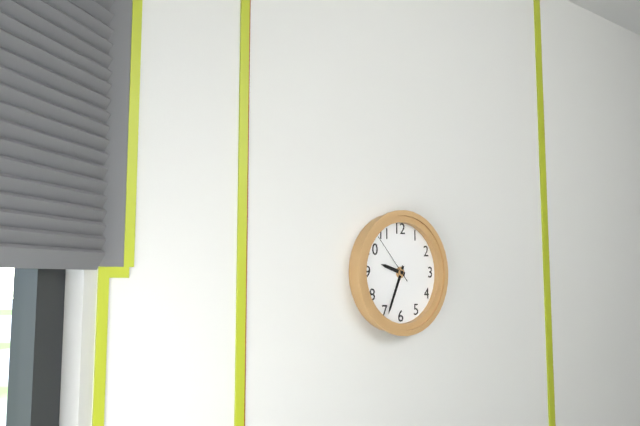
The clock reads 9,34,53
